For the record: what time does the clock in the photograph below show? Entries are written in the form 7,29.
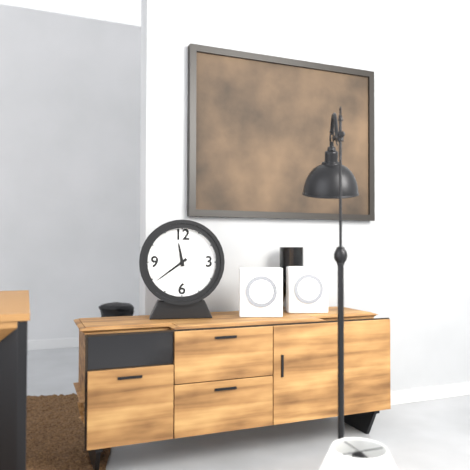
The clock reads 11,39
